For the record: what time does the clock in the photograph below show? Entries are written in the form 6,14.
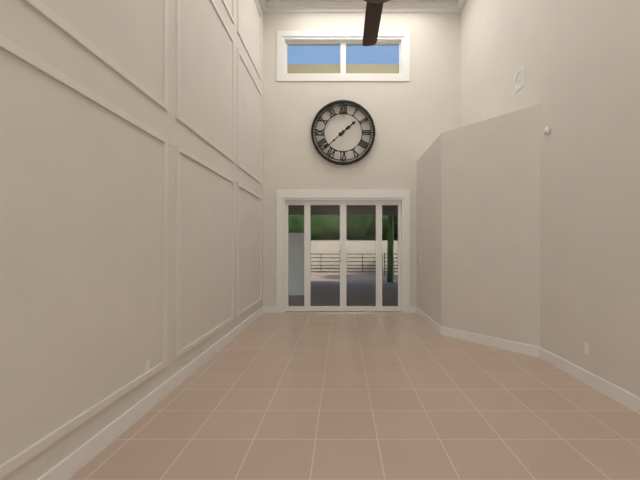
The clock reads 1,38
